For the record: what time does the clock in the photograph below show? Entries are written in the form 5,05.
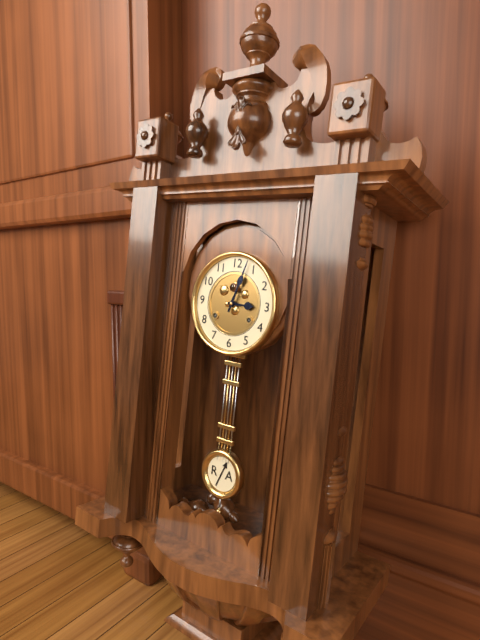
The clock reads 3,03
